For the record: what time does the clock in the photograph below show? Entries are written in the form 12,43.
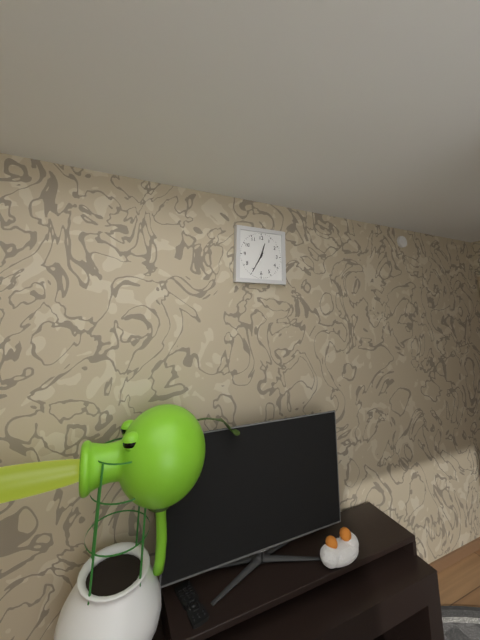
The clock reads 12,35
